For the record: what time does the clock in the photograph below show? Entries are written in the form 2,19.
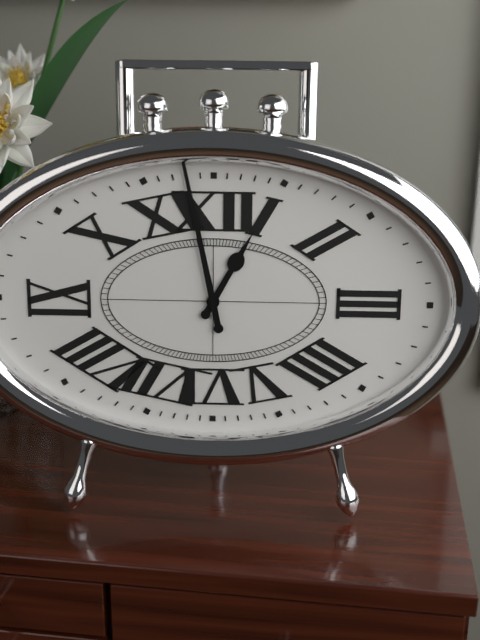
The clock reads 12,58
